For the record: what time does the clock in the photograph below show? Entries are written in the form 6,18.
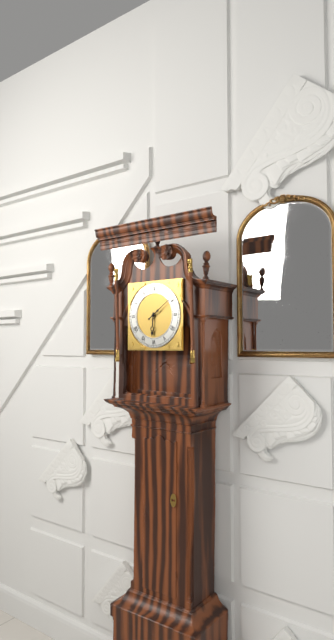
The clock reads 6,09
